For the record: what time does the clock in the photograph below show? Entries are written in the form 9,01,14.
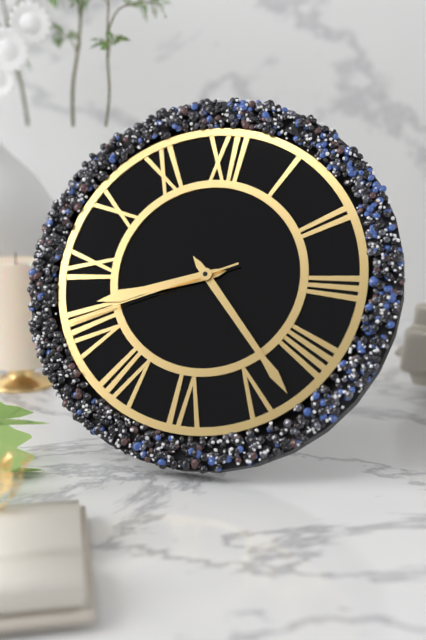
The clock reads 8,23,41
